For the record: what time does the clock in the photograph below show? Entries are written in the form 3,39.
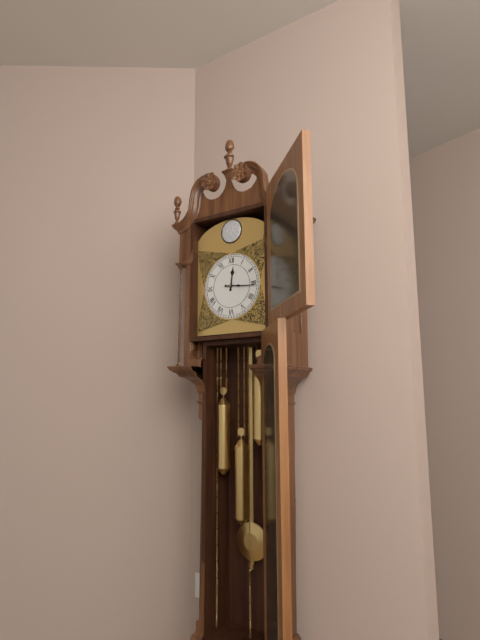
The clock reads 12,16
